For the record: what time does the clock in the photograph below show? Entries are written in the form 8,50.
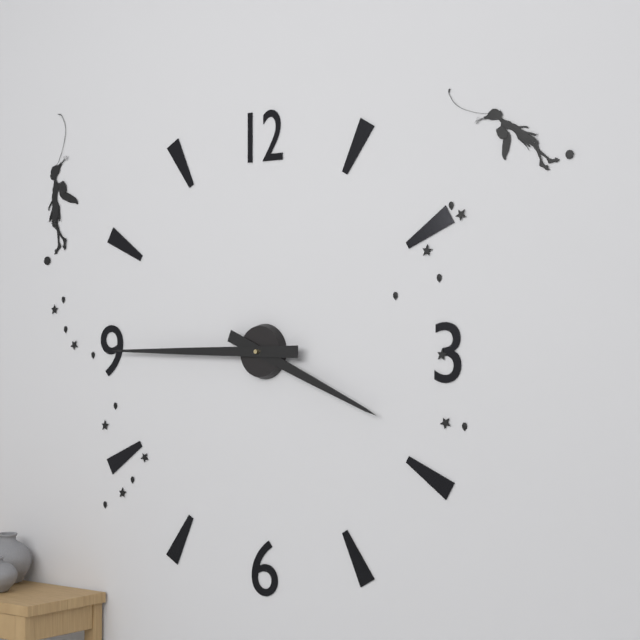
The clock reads 3,45
